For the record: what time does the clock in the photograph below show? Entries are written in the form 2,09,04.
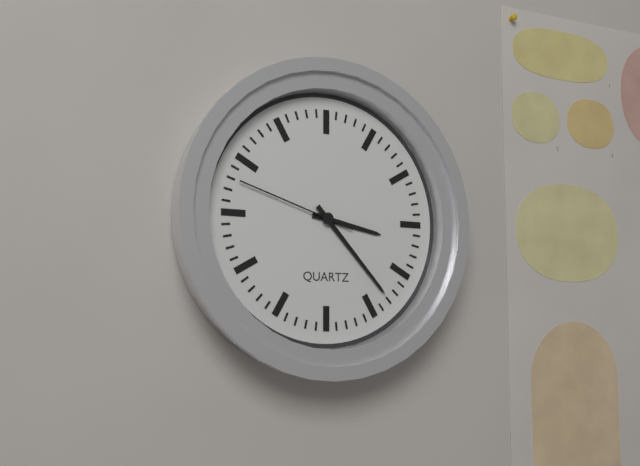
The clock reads 3,23,48
